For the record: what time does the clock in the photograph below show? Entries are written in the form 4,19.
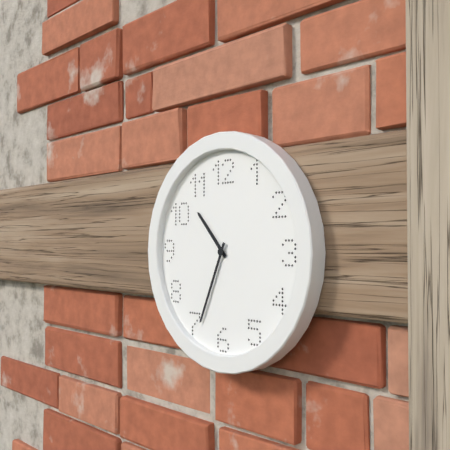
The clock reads 10,34
